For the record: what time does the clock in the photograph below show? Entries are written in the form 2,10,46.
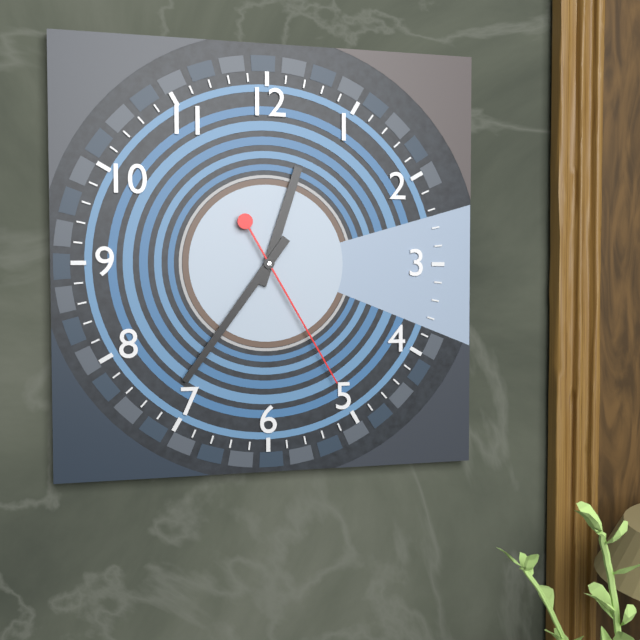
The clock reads 12,36,25
